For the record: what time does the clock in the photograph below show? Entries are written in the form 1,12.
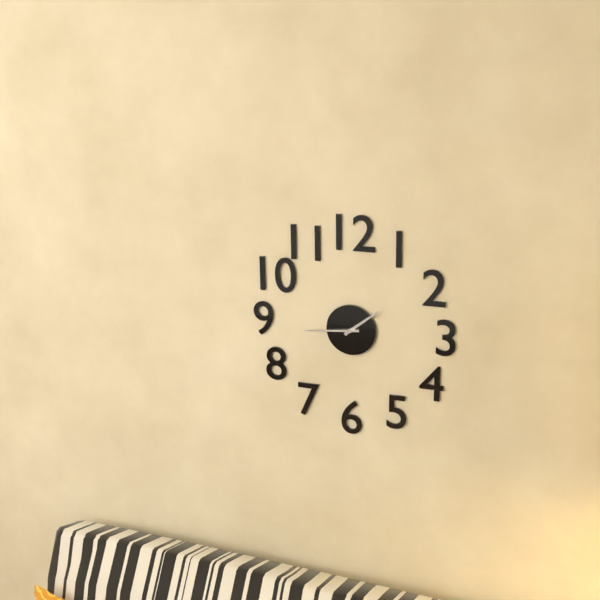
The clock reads 1,44
